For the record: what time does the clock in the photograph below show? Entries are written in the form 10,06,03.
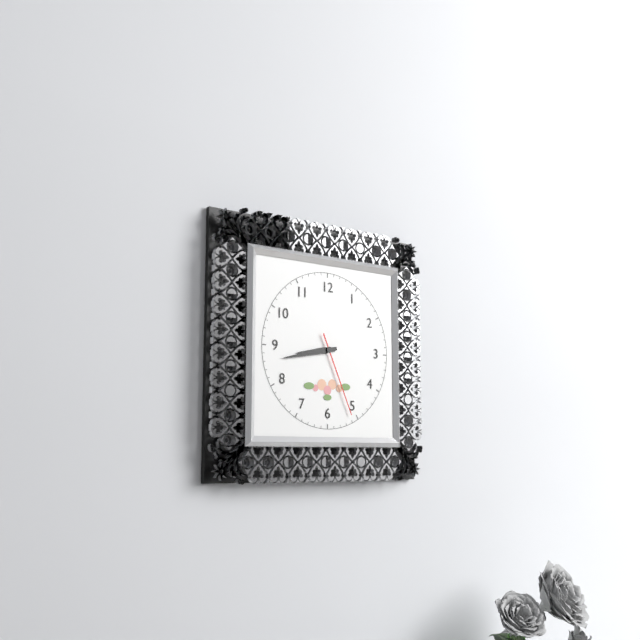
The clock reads 8,43,26
